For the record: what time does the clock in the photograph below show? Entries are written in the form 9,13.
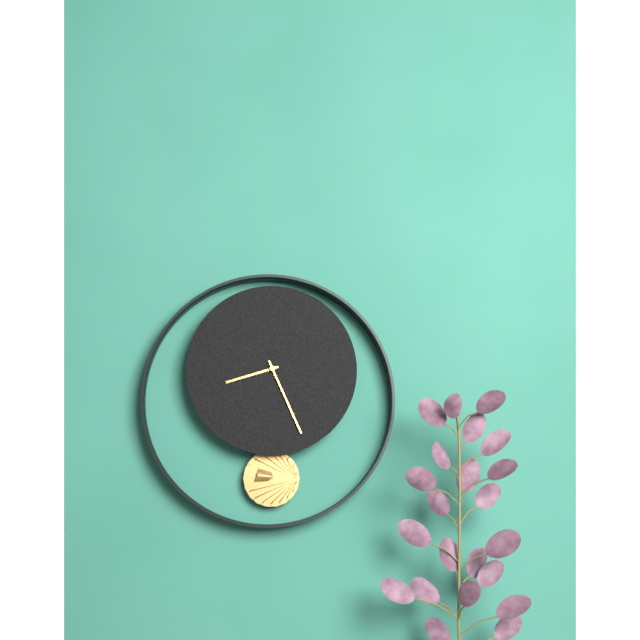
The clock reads 8,26
